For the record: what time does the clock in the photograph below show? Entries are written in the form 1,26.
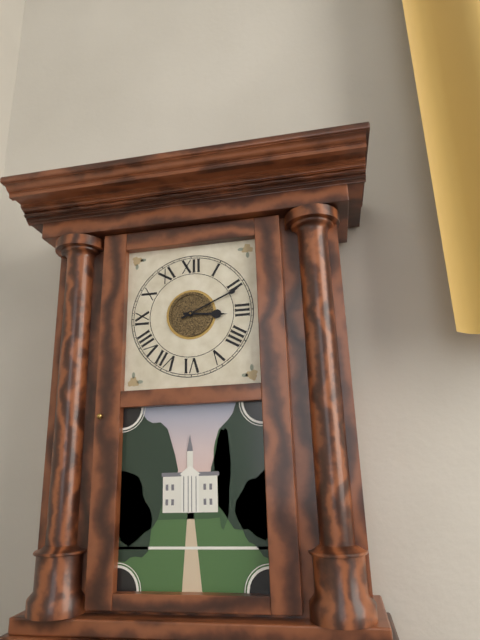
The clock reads 3,11
